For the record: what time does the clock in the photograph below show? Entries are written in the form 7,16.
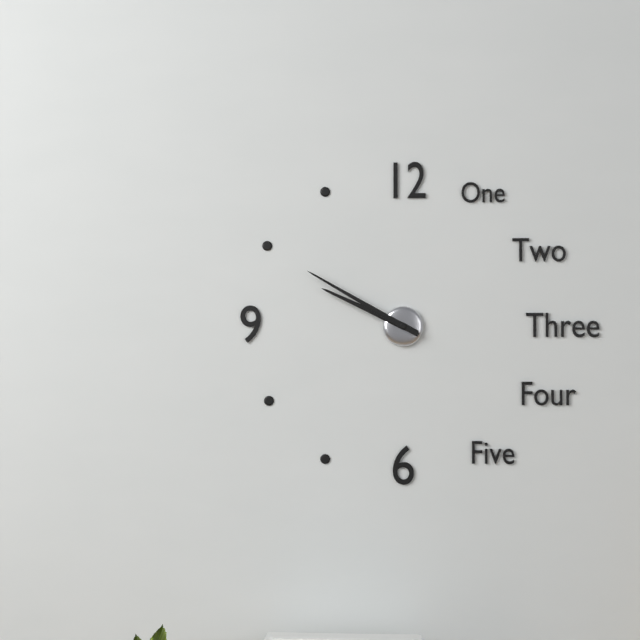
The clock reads 9,50
